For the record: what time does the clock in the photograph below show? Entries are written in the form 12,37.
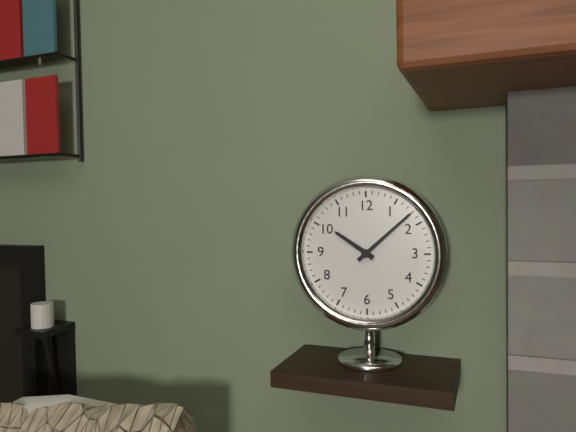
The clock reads 10,08
